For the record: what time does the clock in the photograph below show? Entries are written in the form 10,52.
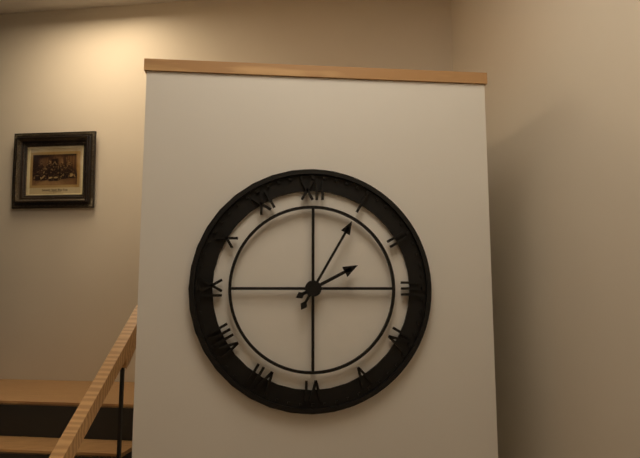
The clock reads 2,05
